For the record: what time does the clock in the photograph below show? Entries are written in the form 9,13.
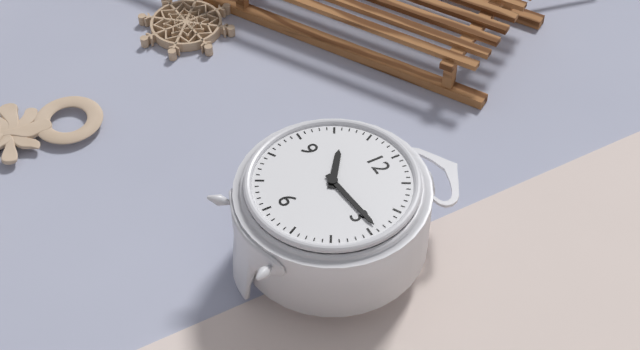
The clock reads 10,14
